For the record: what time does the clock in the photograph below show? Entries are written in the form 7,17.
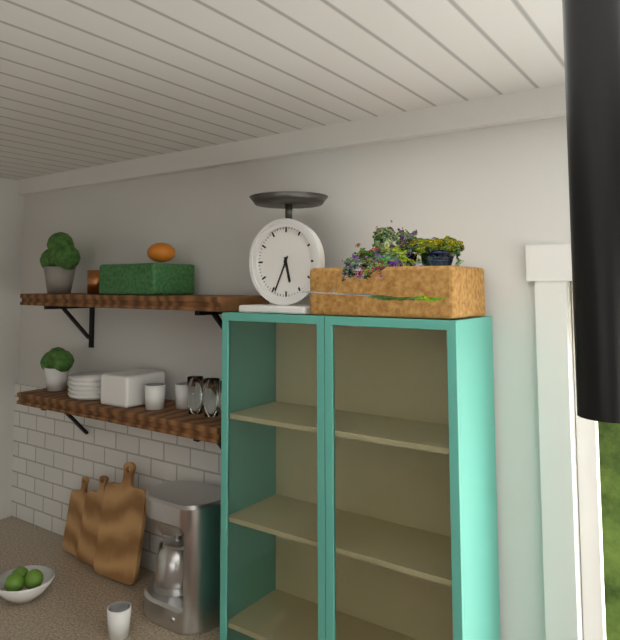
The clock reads 5,34
